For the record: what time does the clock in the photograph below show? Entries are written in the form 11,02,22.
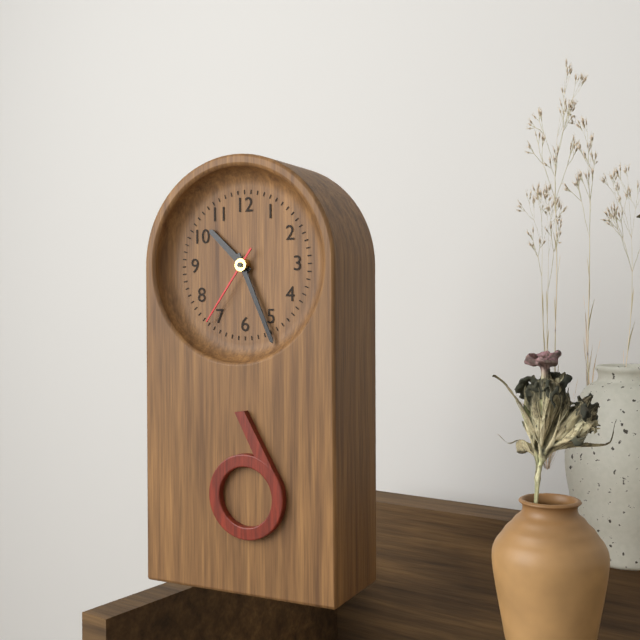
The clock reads 10,26,36
